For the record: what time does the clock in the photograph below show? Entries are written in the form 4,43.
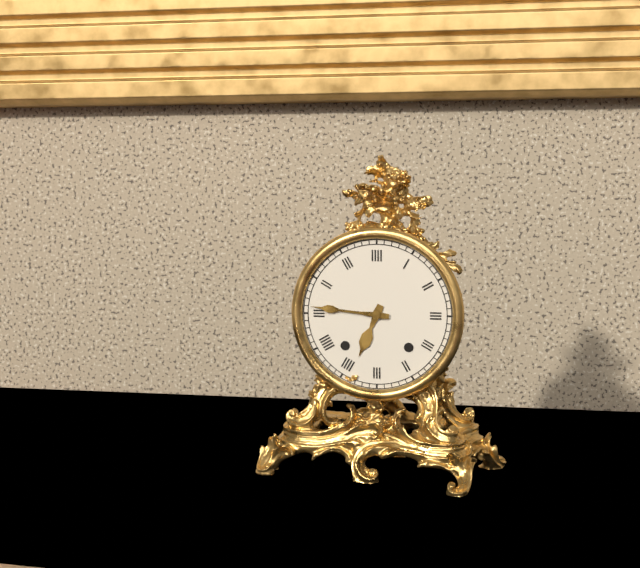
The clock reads 6,46
